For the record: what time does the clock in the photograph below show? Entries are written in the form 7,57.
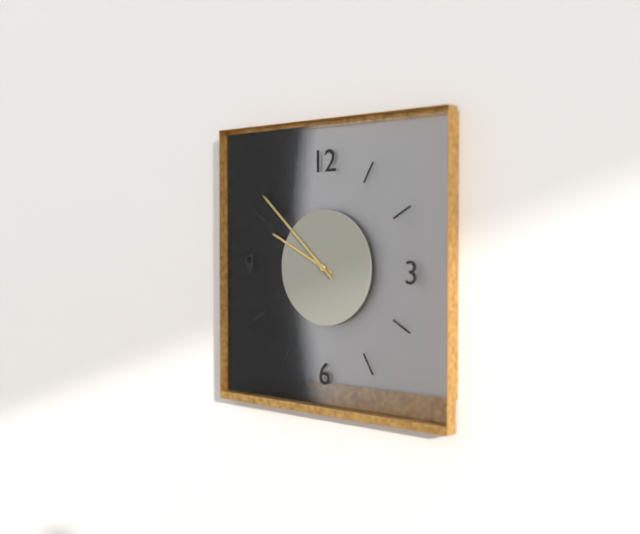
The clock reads 9,52
